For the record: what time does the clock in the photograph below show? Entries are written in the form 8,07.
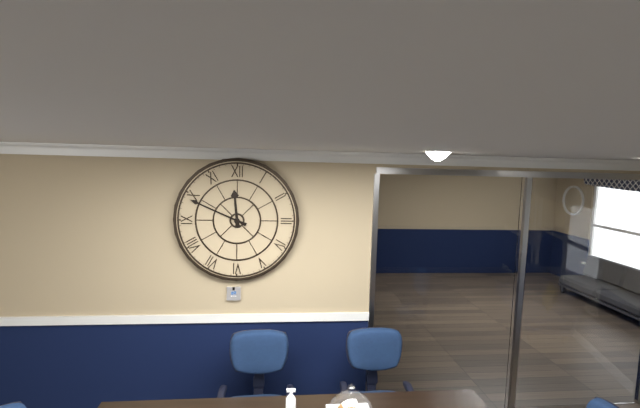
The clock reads 11,49
